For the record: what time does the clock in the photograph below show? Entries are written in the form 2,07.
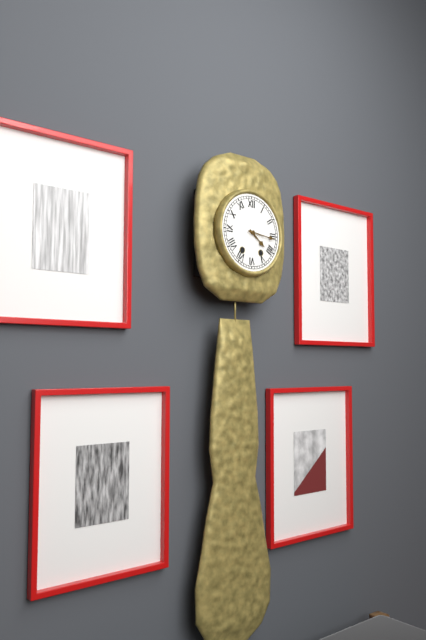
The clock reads 4,16
